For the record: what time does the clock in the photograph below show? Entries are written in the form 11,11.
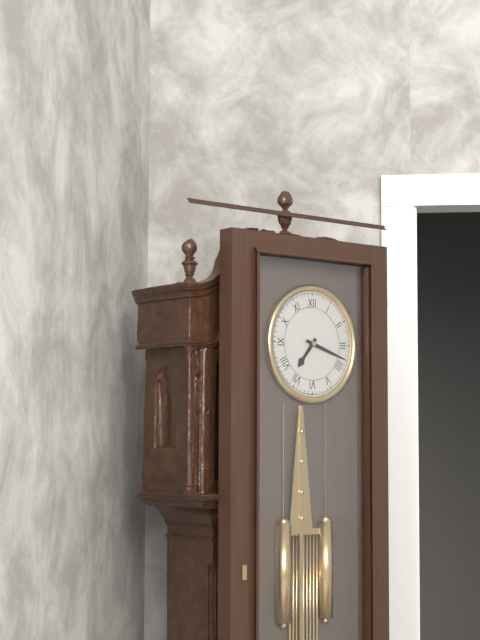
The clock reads 7,18
